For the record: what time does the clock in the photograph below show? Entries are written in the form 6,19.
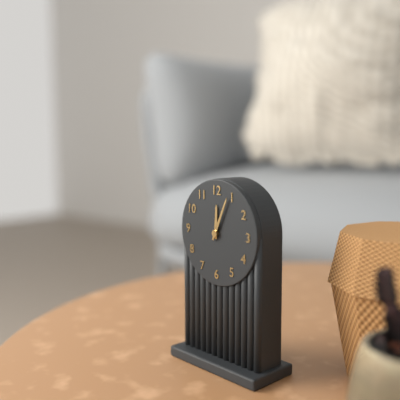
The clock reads 12,04
